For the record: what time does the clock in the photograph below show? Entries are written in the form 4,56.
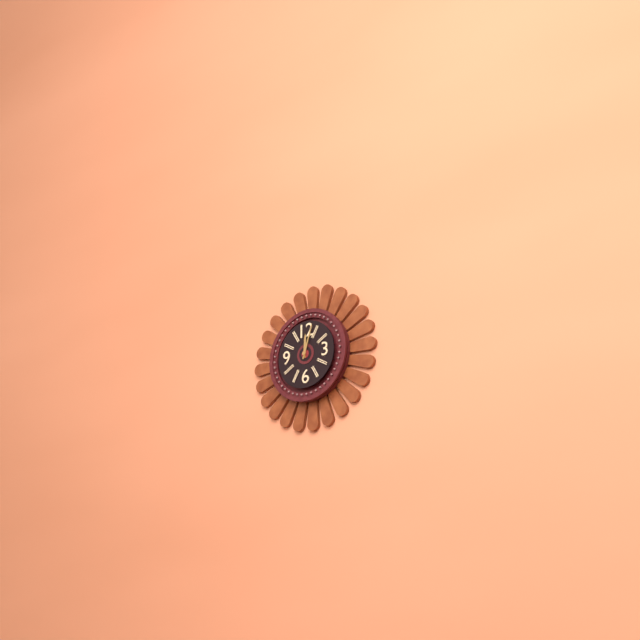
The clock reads 12,03
